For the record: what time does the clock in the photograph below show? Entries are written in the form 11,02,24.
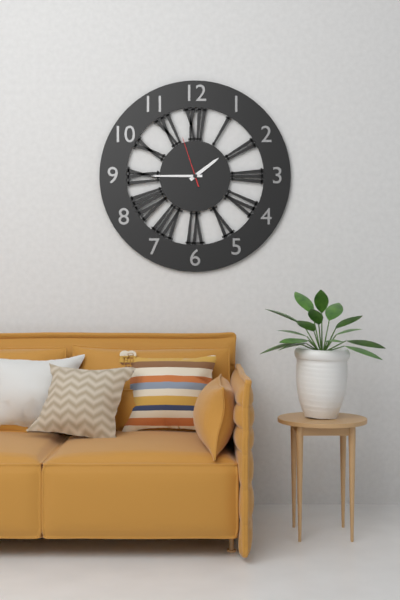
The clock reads 1,45,57
